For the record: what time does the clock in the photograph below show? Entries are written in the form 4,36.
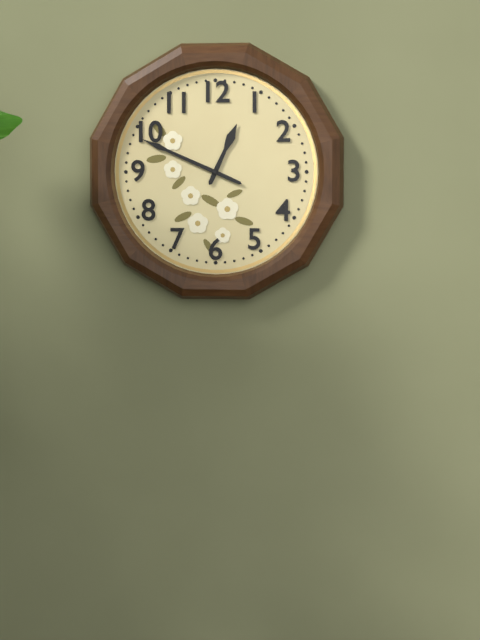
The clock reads 12,49
